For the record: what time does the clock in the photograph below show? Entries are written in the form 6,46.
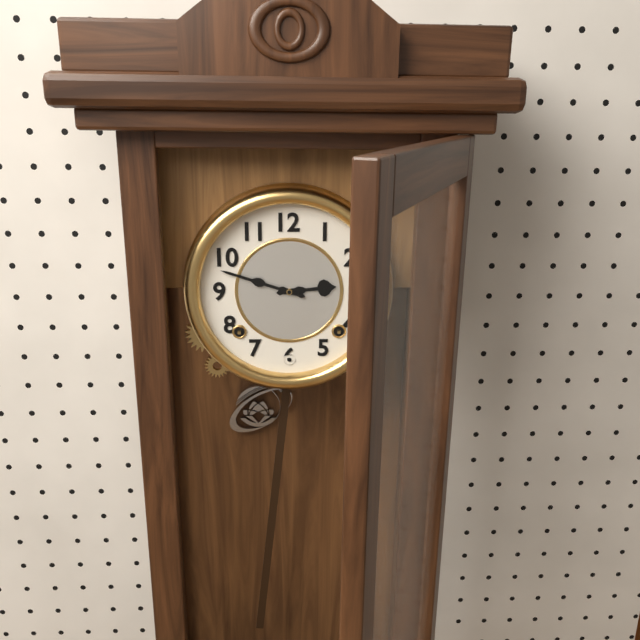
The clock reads 2,48
